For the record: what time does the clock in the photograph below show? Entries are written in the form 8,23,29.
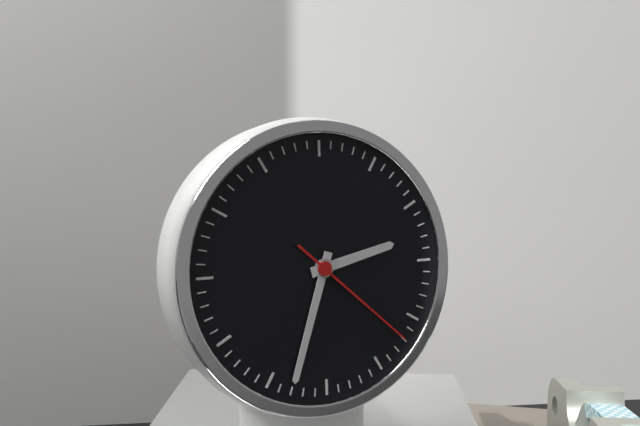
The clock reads 2,33,22
